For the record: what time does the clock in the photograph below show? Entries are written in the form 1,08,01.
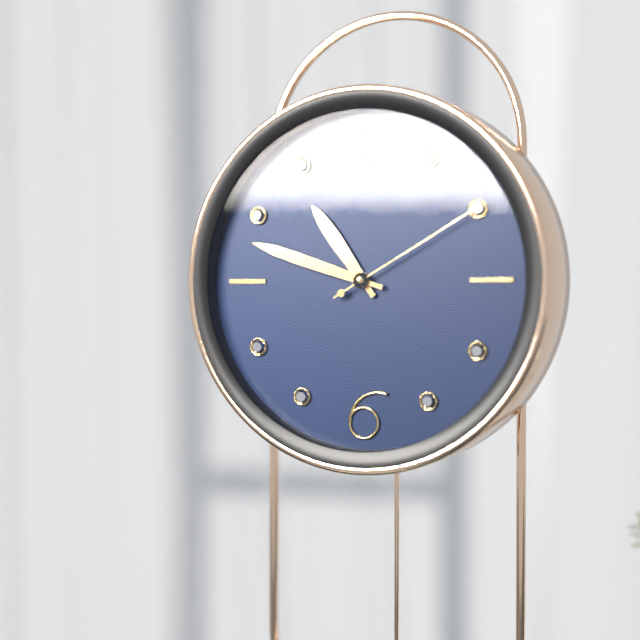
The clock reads 10,48,10
